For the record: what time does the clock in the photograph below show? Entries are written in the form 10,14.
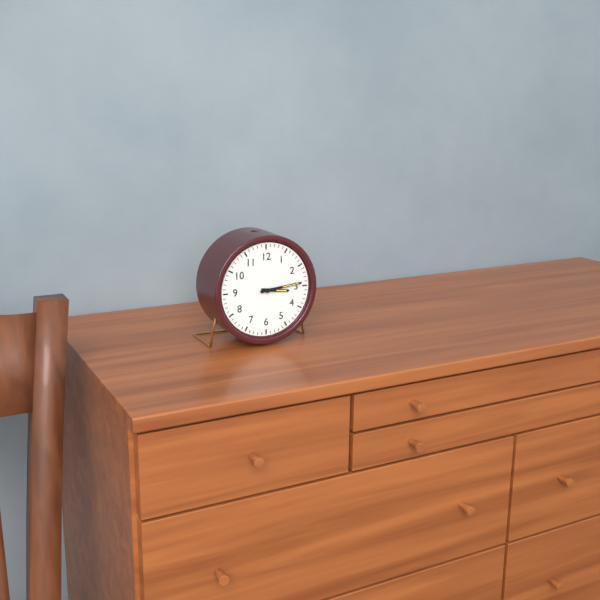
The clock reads 3,14
